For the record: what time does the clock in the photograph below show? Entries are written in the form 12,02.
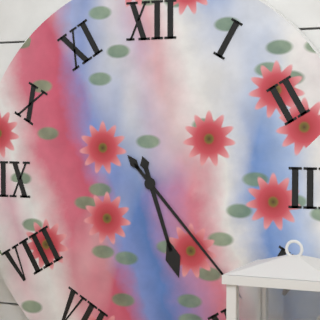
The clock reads 5,23
